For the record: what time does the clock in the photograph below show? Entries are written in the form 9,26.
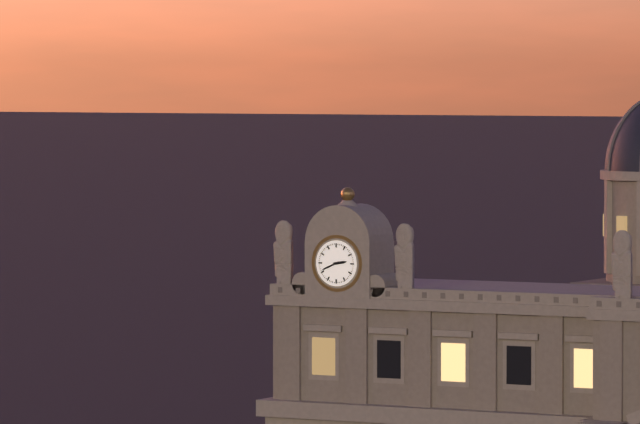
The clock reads 2,41
